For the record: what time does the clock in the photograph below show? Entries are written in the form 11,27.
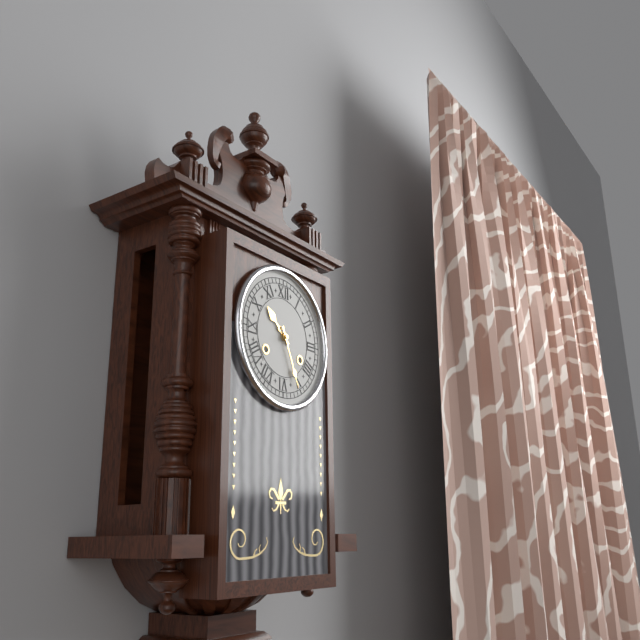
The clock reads 10,26
